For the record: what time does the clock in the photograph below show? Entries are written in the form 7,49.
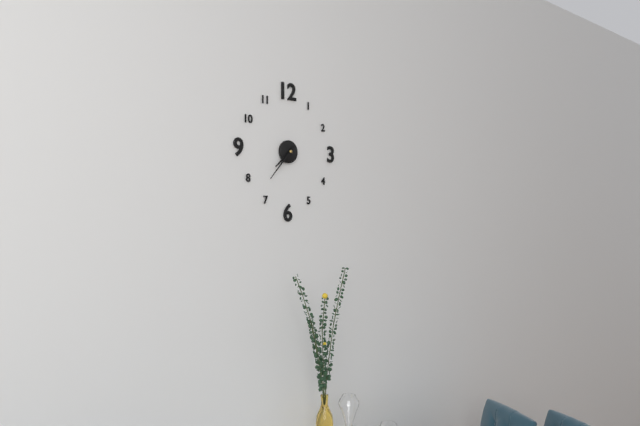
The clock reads 7,37
